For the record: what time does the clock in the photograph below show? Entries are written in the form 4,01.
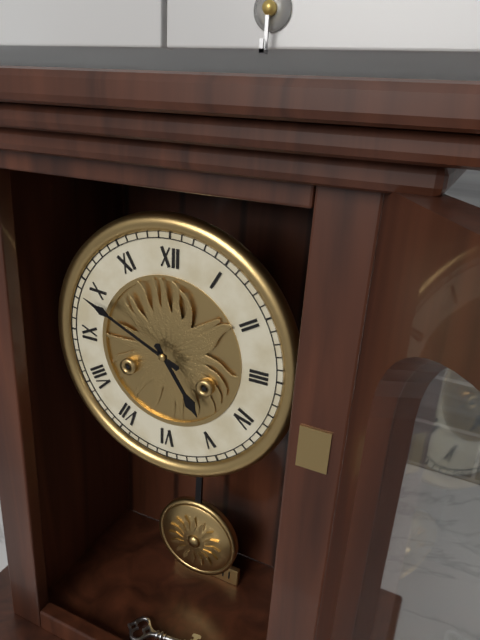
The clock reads 4,49
